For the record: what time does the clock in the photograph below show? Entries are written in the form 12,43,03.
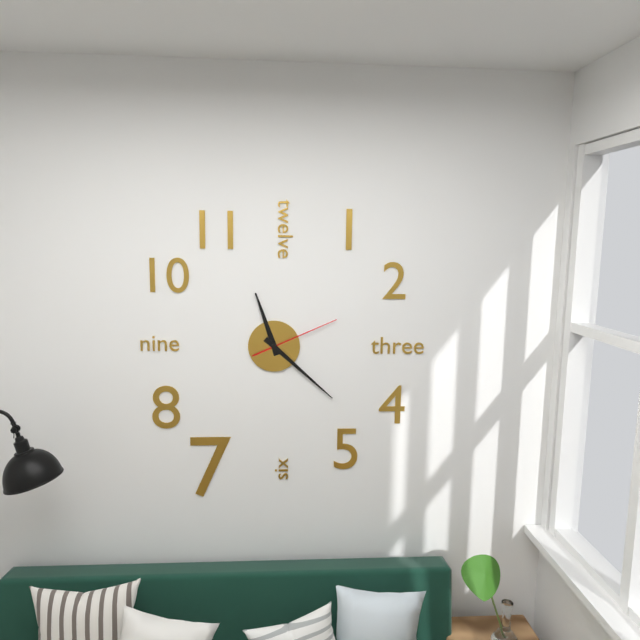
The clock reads 11,22,11
